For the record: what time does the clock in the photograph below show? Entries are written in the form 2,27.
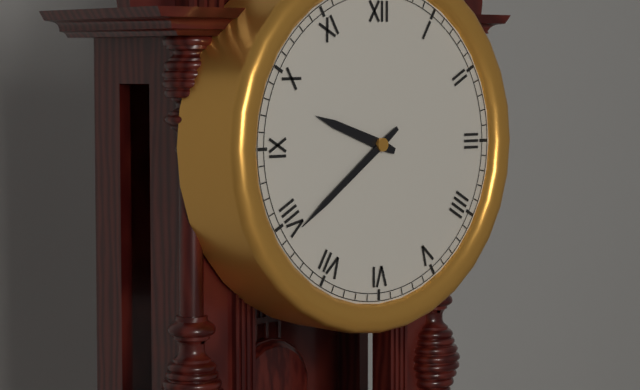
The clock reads 9,39
